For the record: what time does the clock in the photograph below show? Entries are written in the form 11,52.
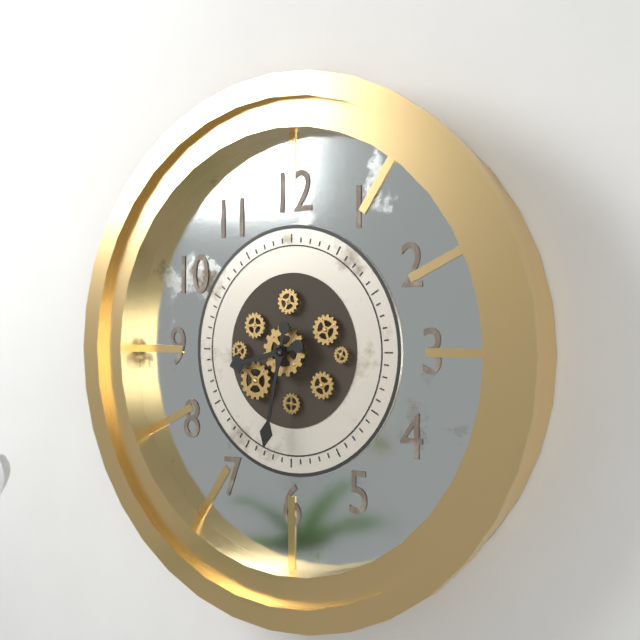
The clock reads 8,32
